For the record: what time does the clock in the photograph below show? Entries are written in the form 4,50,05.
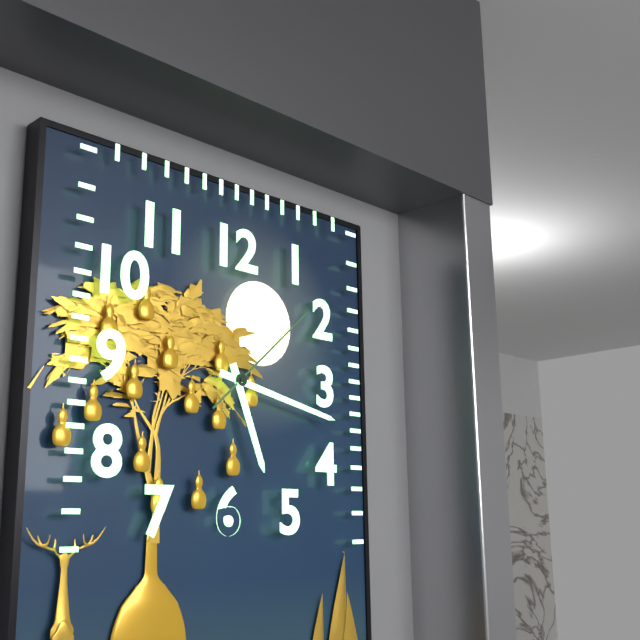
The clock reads 5,17,08
